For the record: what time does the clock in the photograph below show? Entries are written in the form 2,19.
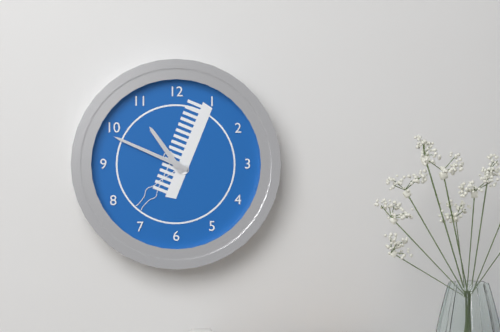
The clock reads 10,49
